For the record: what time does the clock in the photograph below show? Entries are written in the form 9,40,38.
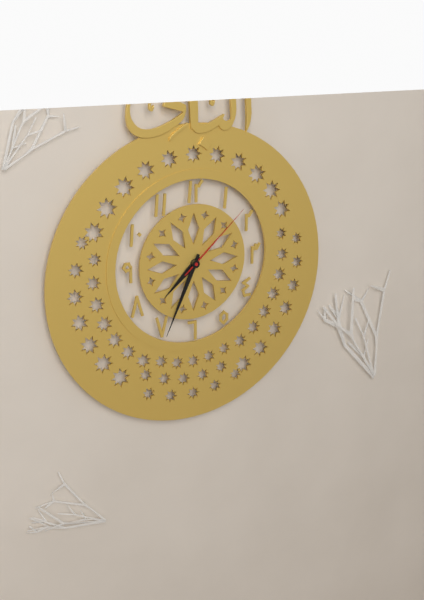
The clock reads 7,34,08
